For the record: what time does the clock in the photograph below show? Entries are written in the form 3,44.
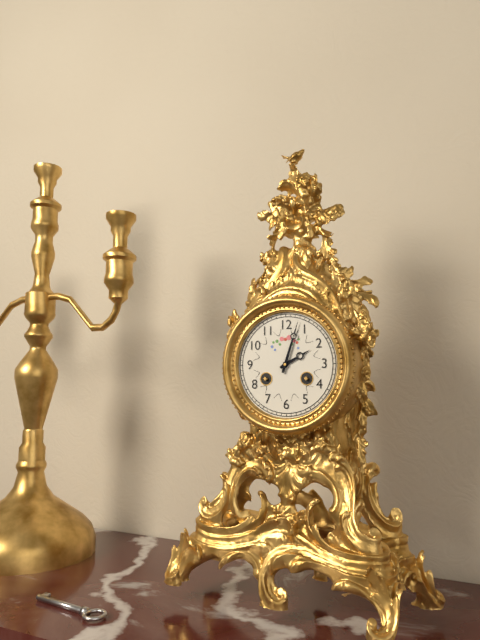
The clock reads 2,03
